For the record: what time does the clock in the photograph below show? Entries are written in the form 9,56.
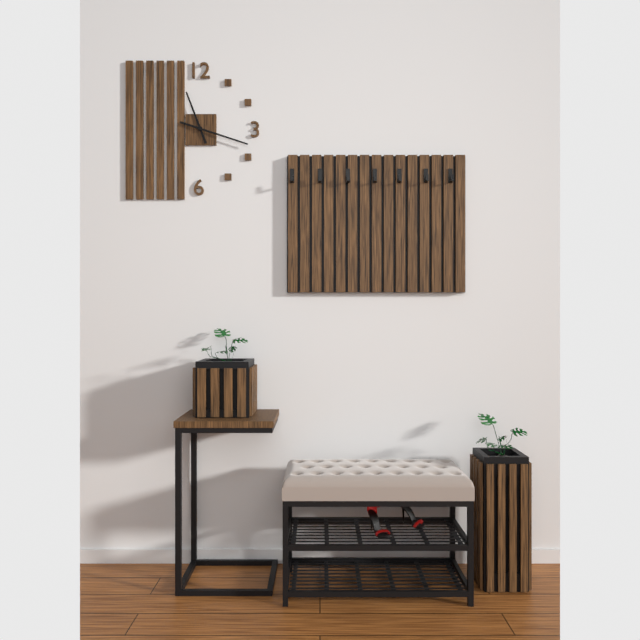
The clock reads 11,18
